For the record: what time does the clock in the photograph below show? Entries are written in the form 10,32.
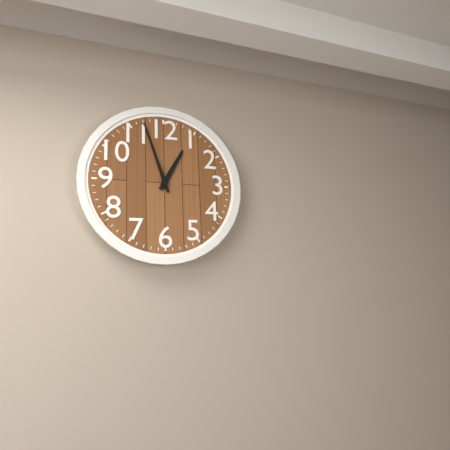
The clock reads 12,57
